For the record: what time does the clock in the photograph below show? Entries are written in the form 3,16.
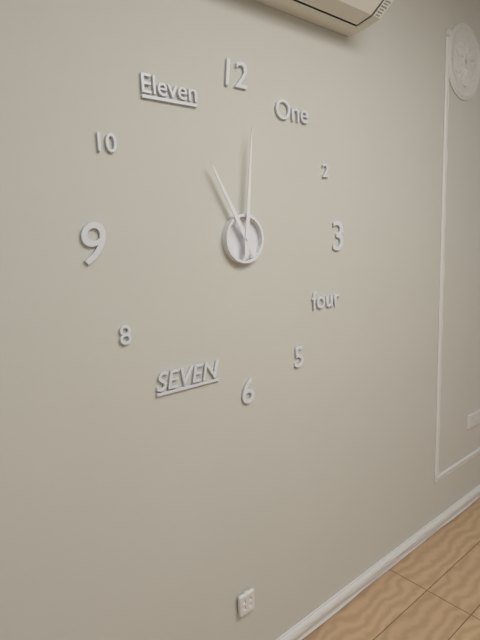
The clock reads 11,01
